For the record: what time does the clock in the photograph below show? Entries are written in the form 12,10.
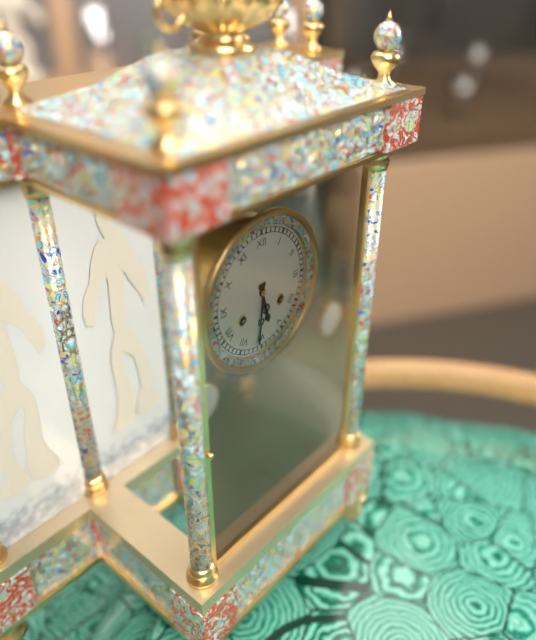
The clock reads 5,31
